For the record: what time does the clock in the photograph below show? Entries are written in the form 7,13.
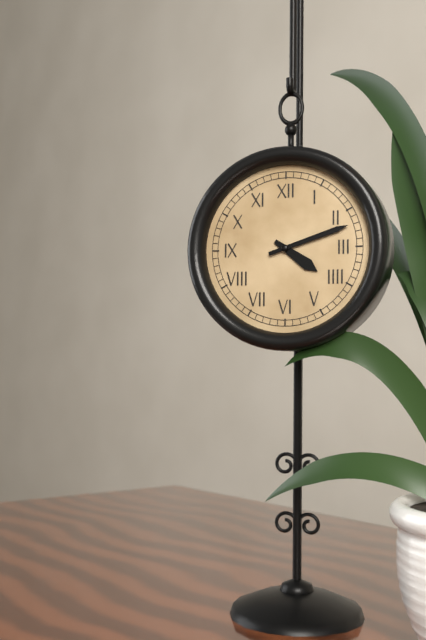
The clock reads 4,12
